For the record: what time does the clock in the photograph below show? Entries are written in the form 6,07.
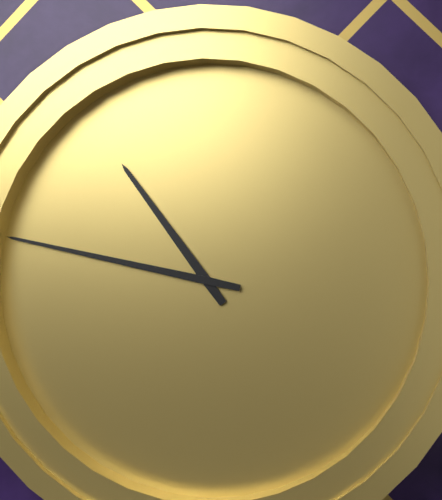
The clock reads 10,47
